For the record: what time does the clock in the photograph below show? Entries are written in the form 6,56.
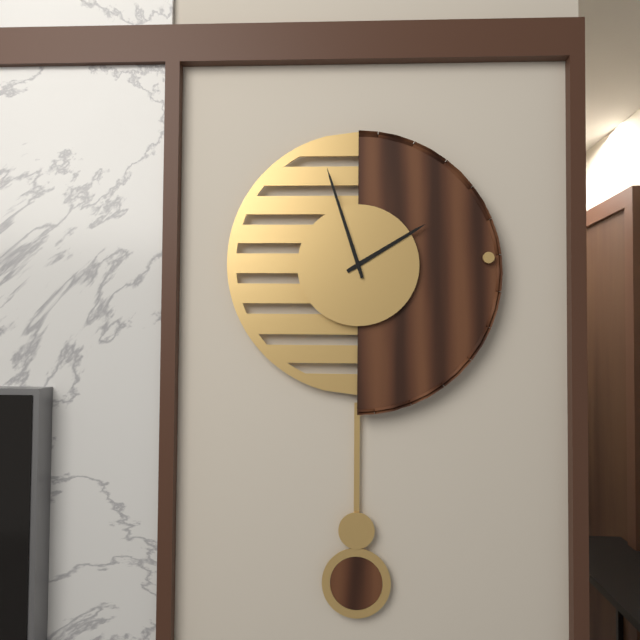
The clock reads 1,57
